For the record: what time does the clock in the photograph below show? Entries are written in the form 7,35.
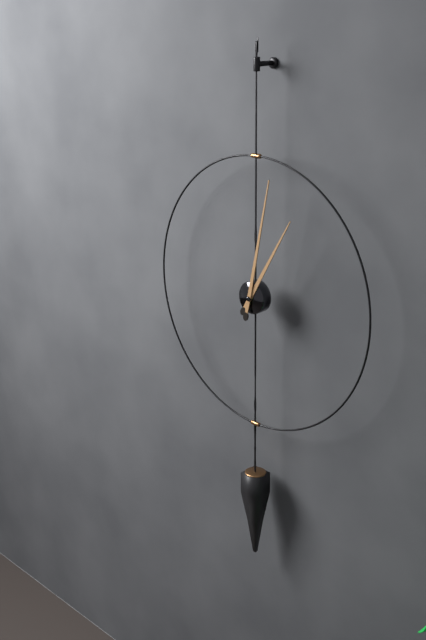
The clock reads 1,02
